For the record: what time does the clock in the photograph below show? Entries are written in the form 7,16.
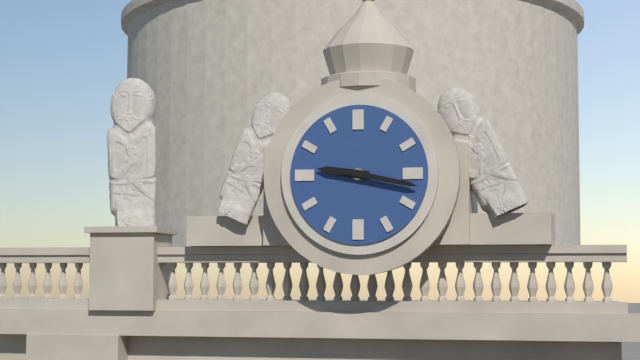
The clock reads 9,17
